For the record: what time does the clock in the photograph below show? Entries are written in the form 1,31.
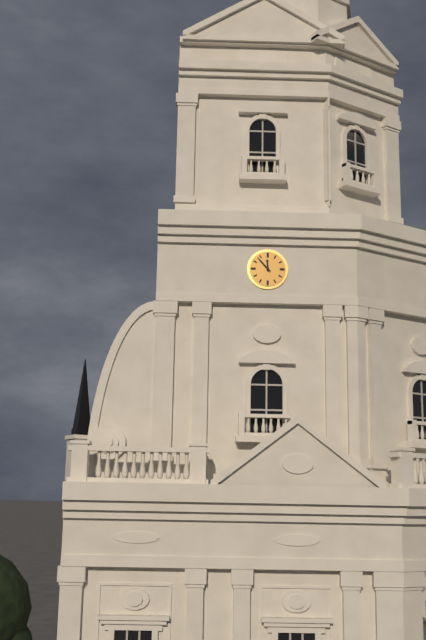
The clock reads 11,53
